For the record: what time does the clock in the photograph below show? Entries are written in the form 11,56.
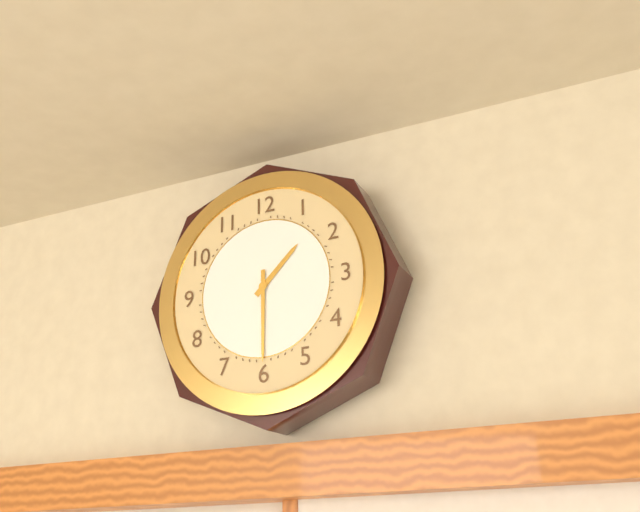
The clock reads 1,30
